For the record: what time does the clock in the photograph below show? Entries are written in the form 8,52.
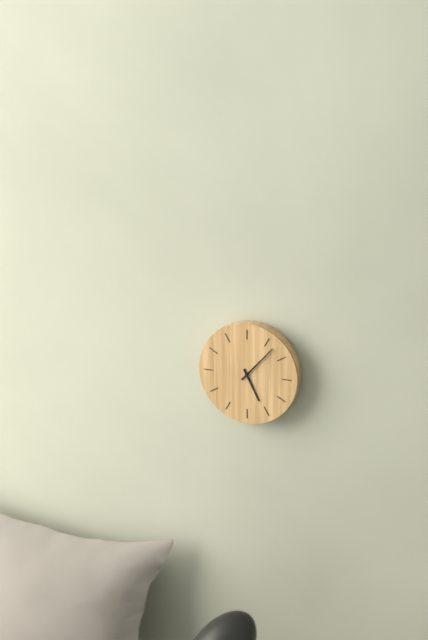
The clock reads 5,07
